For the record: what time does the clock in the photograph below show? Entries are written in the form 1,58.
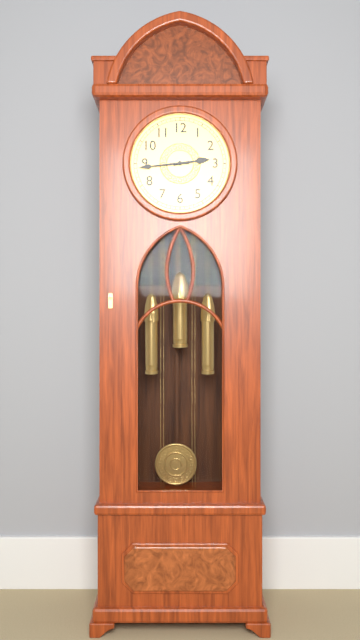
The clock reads 2,44
